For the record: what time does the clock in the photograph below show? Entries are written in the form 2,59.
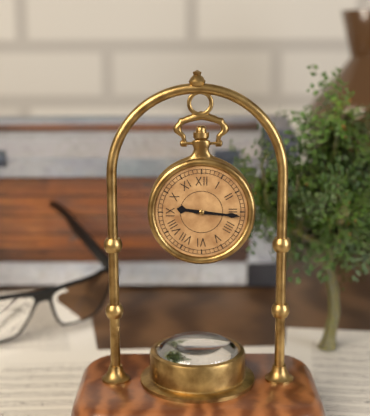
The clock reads 9,16
